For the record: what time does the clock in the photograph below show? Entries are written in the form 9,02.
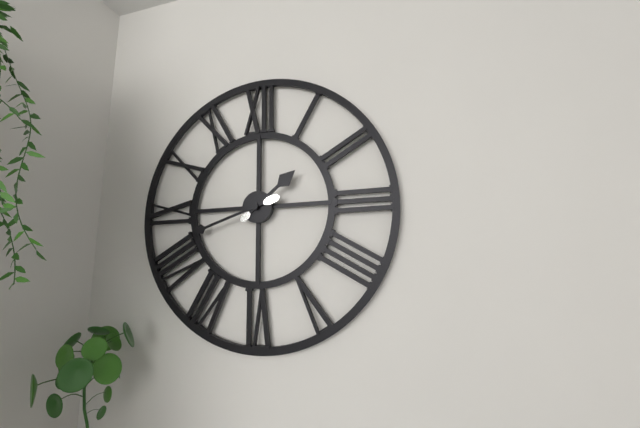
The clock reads 1,42
